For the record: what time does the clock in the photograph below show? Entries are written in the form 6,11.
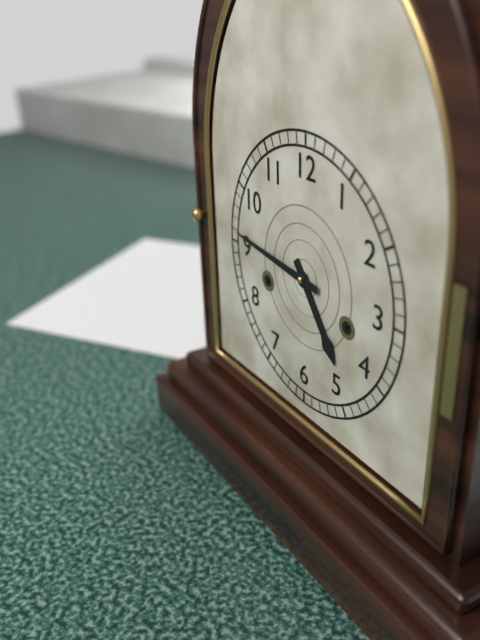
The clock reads 4,46
